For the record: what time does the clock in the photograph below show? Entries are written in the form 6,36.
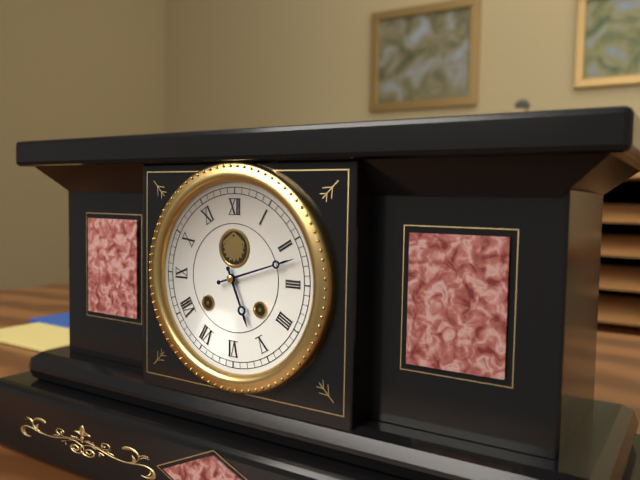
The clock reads 5,12
